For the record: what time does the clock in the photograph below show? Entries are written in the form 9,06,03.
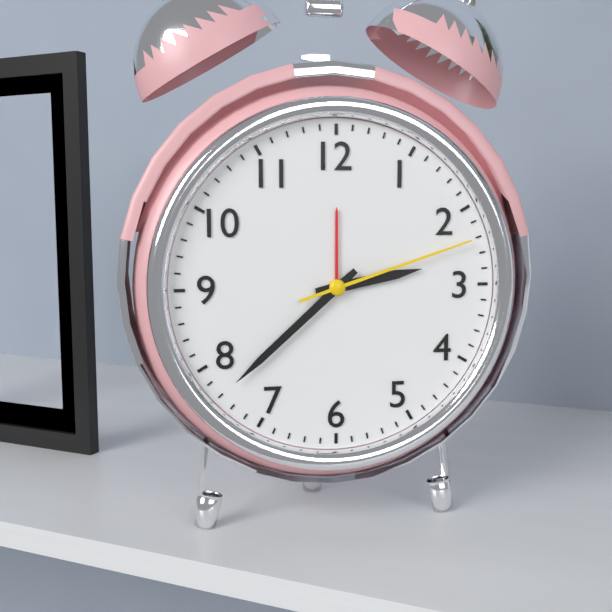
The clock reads 2,38,12
